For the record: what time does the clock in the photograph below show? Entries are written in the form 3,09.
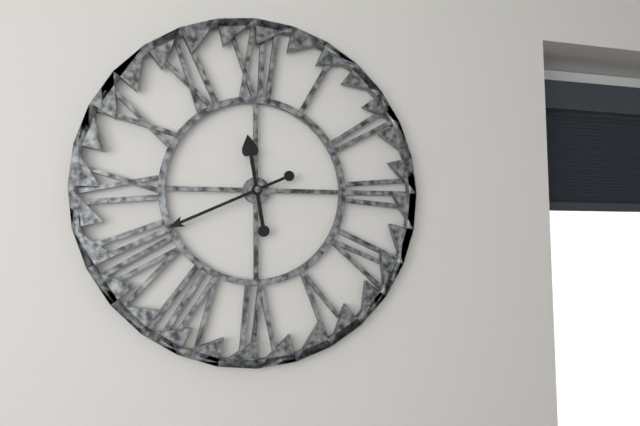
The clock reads 11,41
